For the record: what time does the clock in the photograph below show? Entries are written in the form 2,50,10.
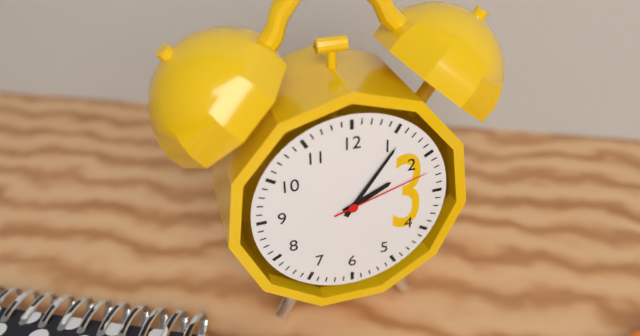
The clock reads 2,06,12
